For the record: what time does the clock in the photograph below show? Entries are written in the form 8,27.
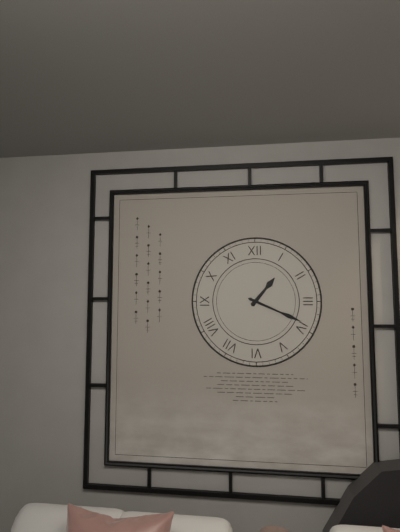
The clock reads 1,19
